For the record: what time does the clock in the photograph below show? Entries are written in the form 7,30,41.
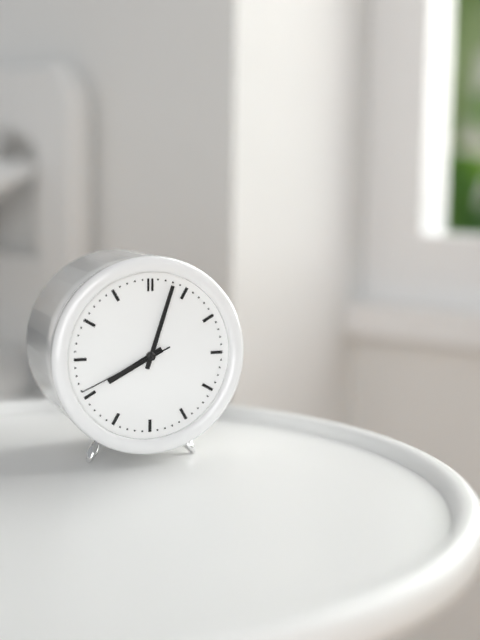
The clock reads 8,03,41
